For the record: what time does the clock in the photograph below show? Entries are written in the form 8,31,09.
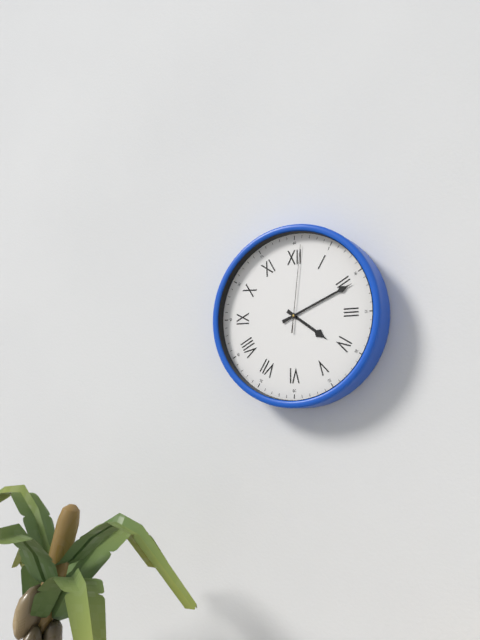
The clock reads 4,11,01
